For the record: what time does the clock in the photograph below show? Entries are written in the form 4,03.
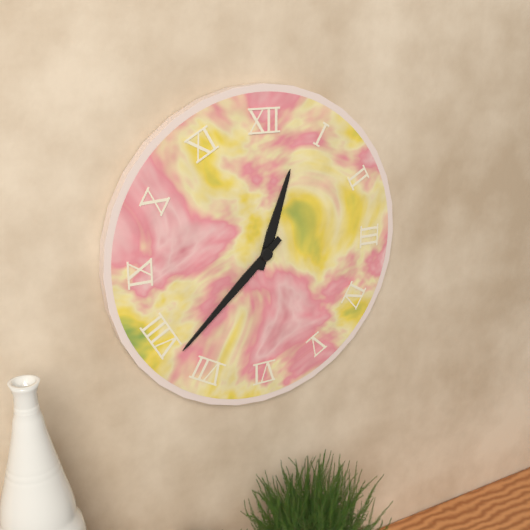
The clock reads 12,38
